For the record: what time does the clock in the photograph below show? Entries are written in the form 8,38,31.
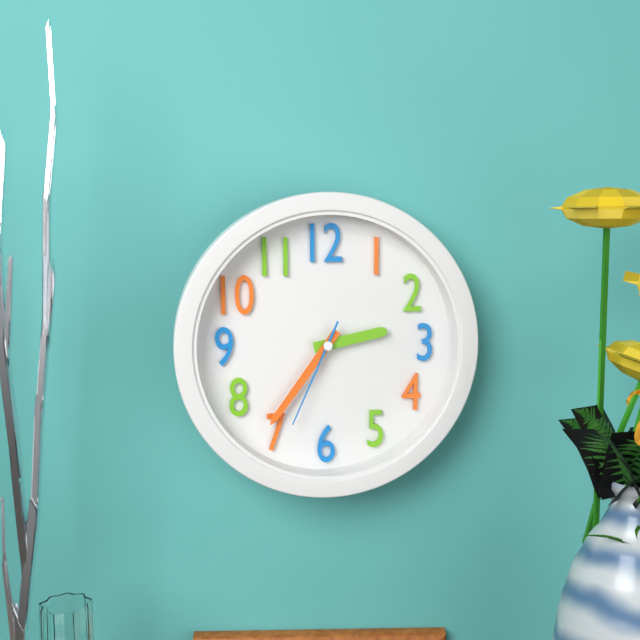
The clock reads 2,36,34
